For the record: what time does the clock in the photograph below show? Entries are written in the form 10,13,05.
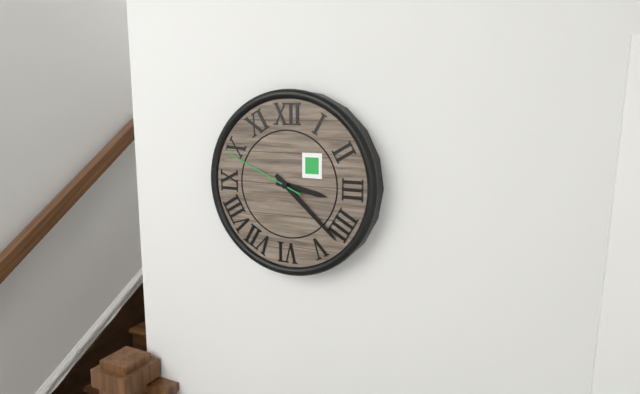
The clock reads 3,22,49
